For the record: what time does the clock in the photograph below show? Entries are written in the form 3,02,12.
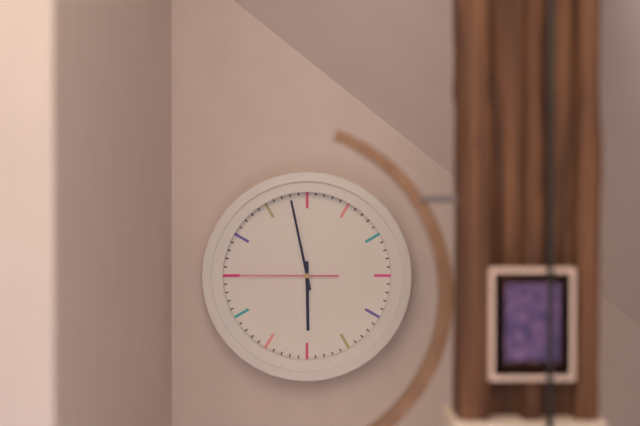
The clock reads 5,58,45
